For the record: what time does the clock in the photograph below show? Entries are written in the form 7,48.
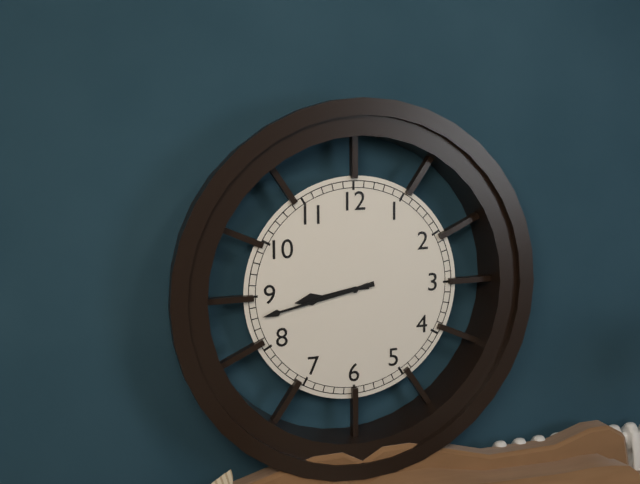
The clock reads 8,43
